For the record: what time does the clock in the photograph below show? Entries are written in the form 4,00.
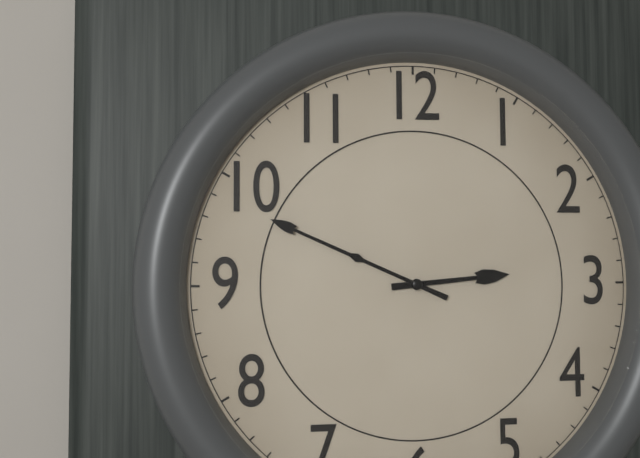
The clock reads 2,49
